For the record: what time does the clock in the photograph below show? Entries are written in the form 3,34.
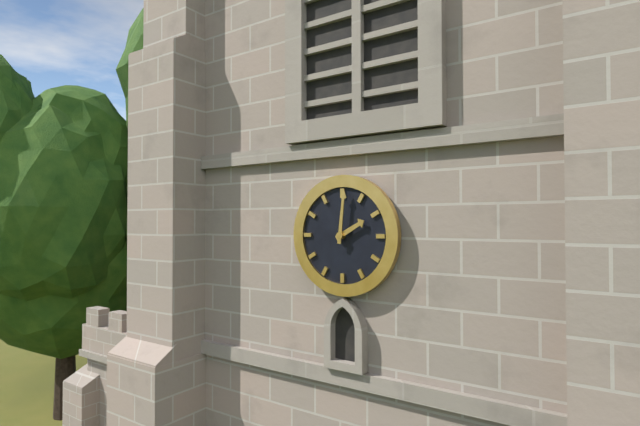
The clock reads 2,01
